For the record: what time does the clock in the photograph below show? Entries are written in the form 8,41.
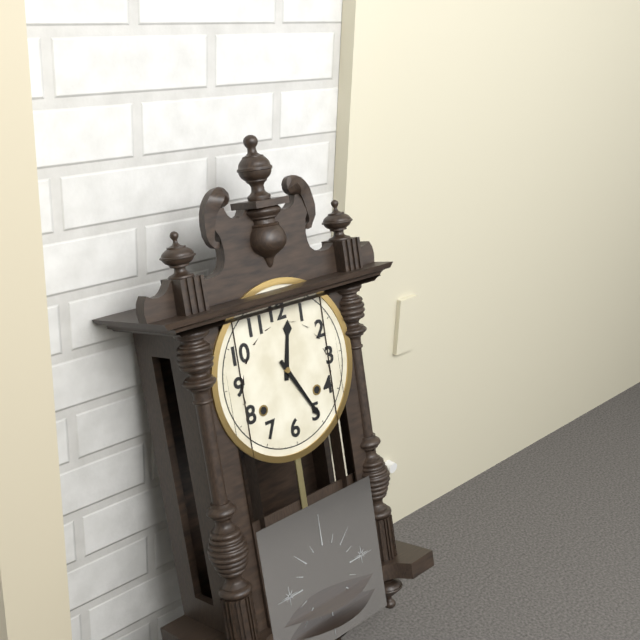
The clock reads 12,25
